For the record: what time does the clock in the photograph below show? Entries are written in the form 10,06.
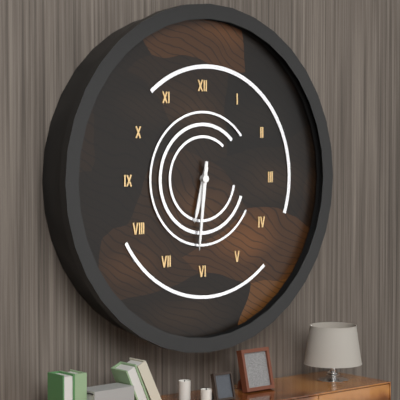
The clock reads 6,31
